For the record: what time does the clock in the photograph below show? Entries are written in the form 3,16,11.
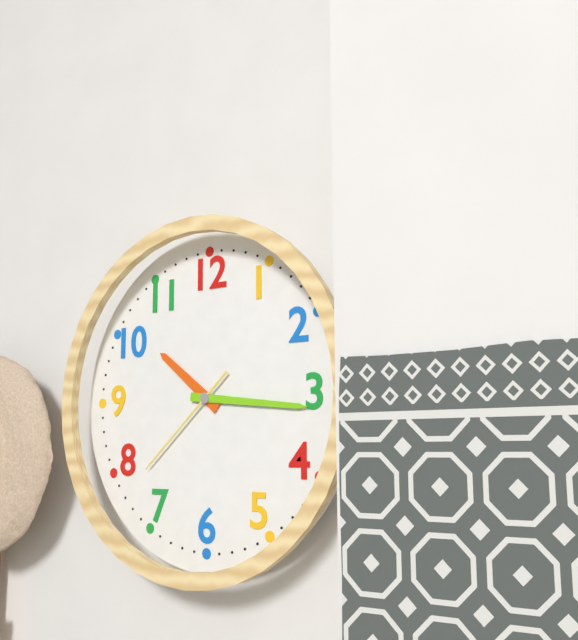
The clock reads 10,16,38
